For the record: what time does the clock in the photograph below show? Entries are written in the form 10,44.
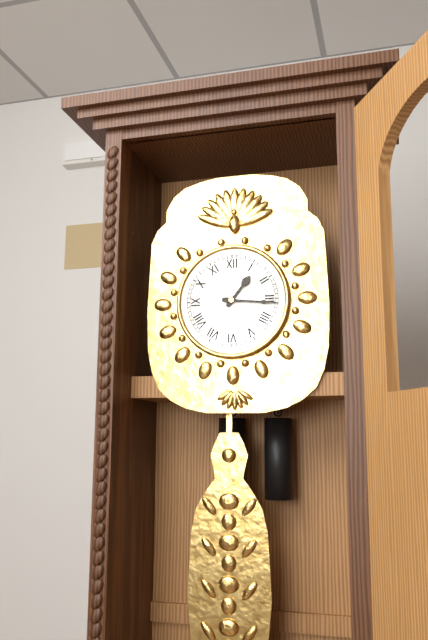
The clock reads 1,16
